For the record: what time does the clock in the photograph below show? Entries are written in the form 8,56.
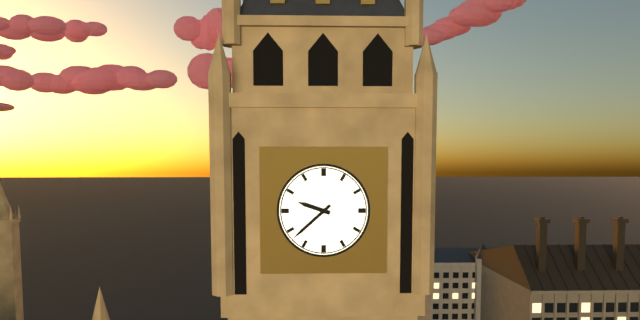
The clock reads 9,38
